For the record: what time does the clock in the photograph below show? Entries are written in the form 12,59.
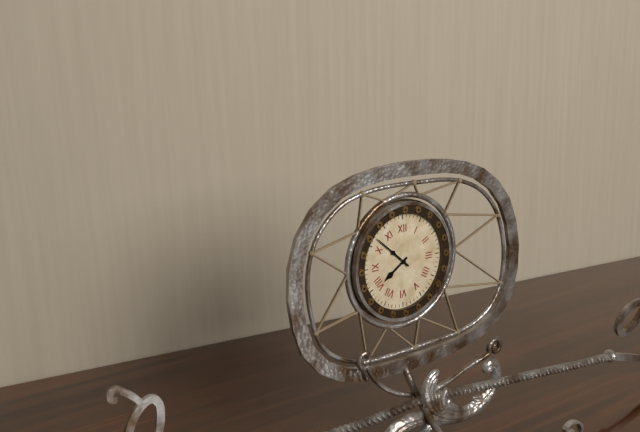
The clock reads 7,52
